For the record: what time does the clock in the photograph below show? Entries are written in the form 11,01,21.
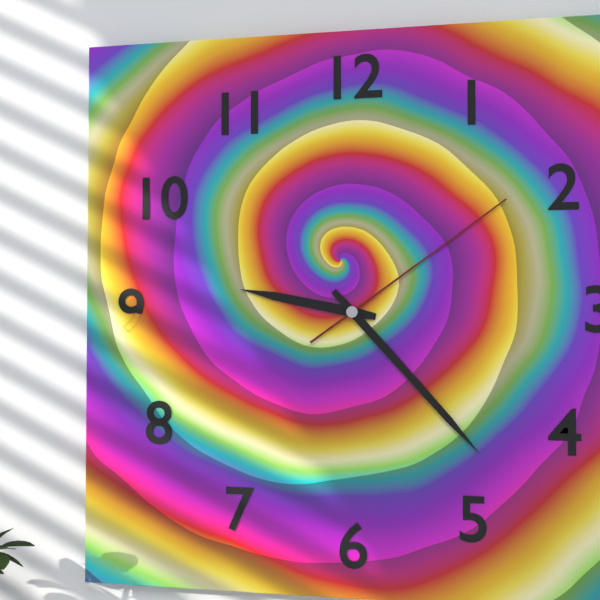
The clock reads 9,23,09
